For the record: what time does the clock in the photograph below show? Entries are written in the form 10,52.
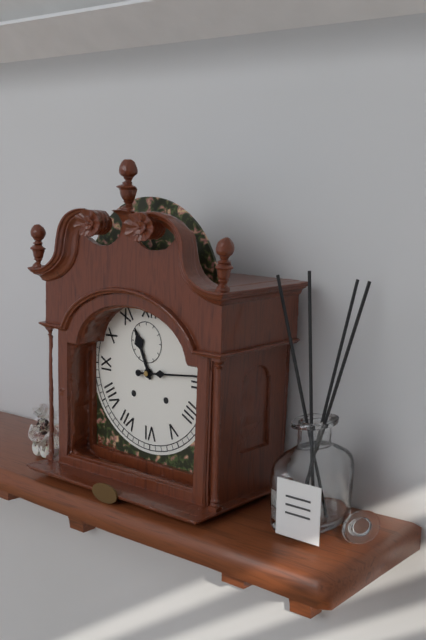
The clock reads 11,14
